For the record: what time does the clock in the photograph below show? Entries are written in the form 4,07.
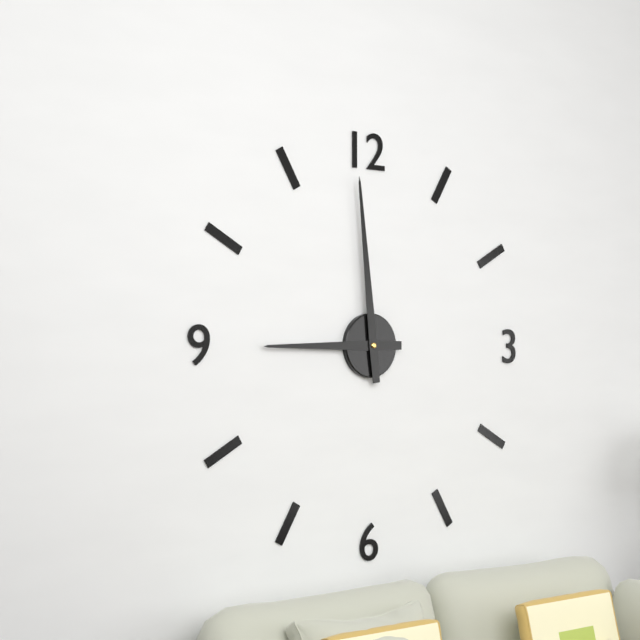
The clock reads 8,59
